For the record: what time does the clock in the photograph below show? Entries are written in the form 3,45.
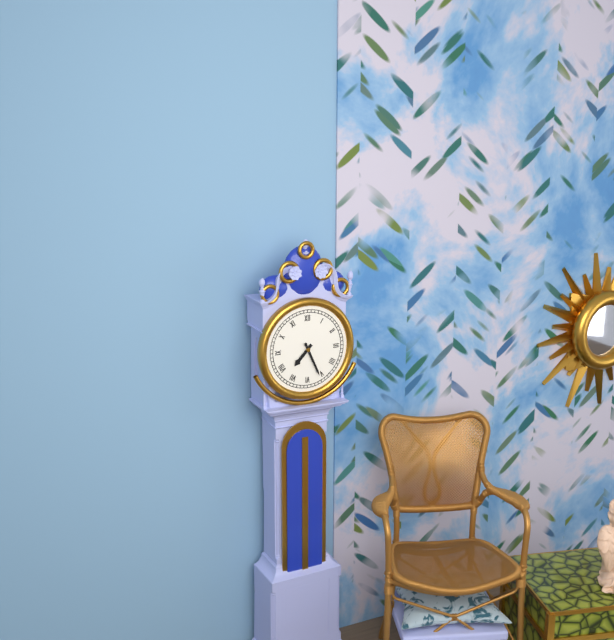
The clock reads 7,26
